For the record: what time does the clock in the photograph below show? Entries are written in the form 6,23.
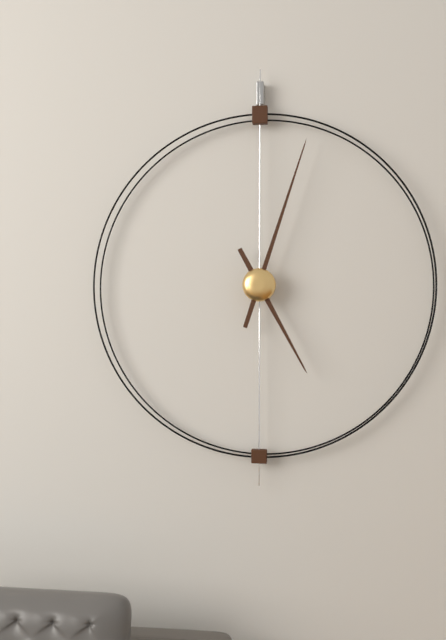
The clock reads 5,03
